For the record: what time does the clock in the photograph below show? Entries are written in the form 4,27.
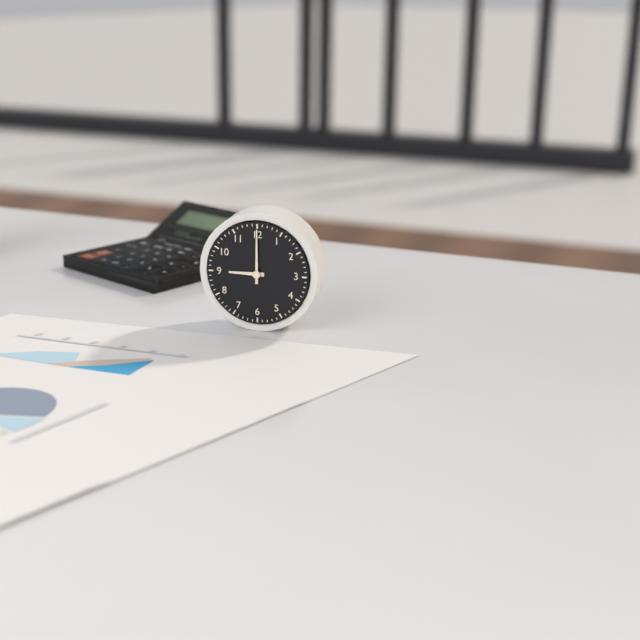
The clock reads 9,00
